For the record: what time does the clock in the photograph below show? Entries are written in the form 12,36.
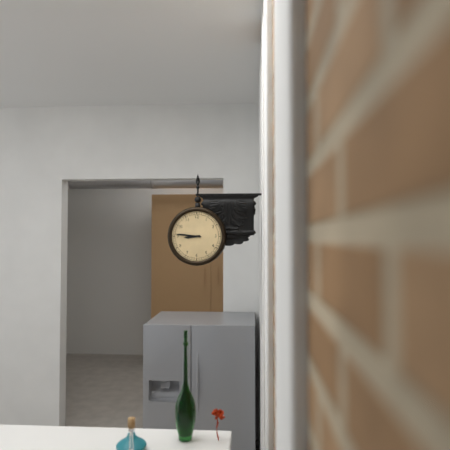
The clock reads 8,46
